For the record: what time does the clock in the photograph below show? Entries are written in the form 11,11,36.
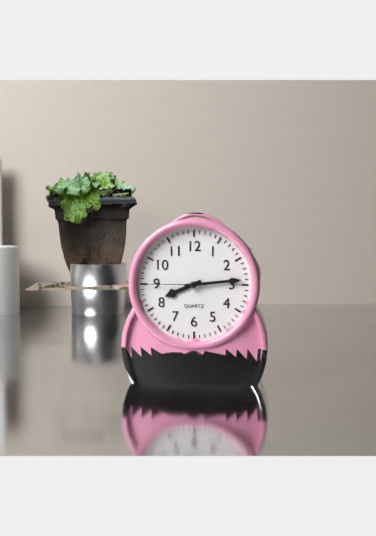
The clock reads 8,14,45
